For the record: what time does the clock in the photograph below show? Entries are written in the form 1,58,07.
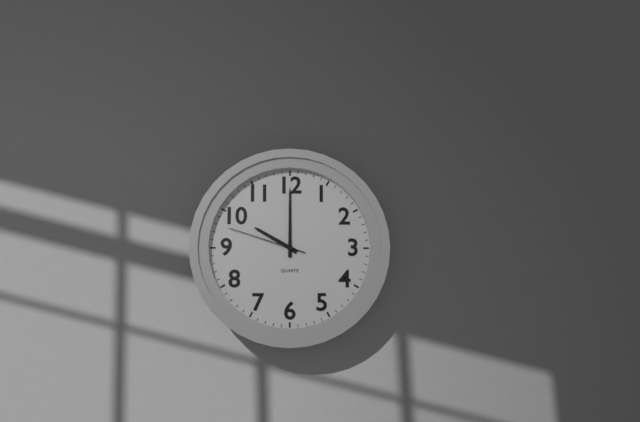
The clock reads 10,00,48
